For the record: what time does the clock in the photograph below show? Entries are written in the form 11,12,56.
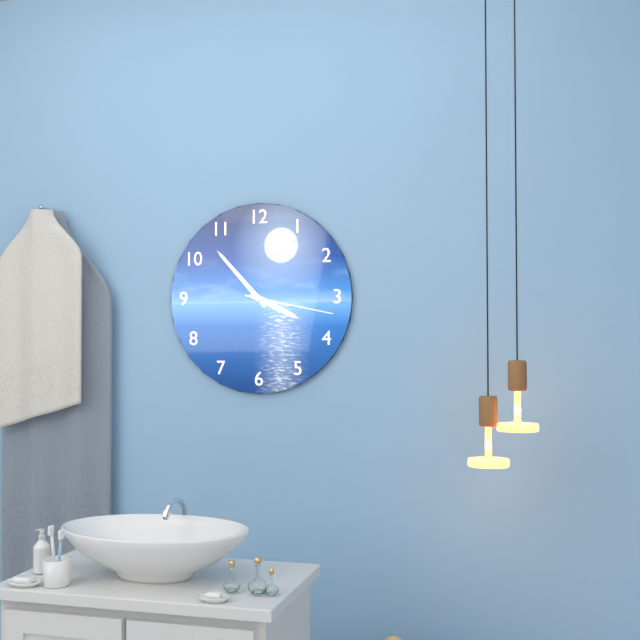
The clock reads 3,53,17
